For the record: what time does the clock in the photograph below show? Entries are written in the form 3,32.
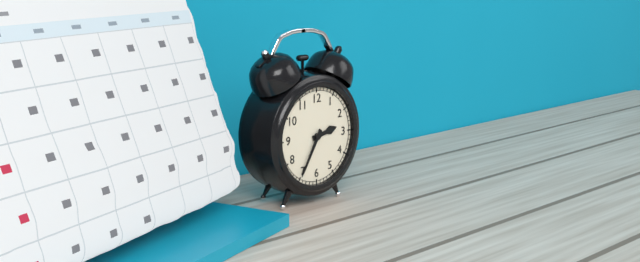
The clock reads 2,35
